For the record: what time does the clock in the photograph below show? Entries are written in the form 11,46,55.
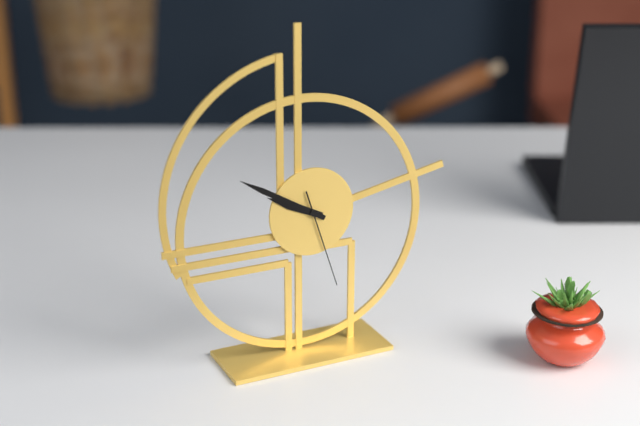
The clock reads 9,50,27
